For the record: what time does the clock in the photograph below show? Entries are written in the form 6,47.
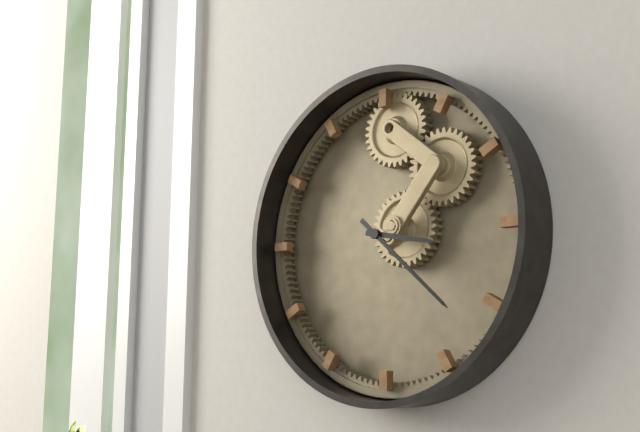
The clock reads 3,22
